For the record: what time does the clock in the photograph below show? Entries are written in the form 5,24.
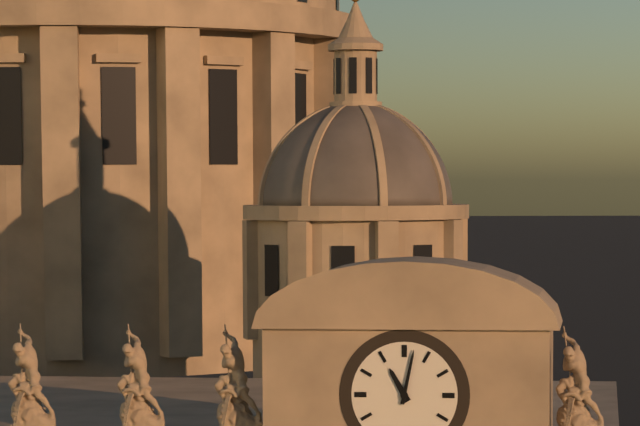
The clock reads 11,02
